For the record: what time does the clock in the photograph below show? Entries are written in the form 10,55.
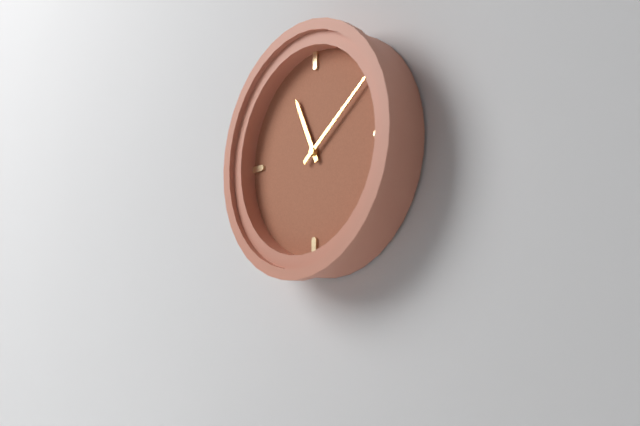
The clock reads 11,09
